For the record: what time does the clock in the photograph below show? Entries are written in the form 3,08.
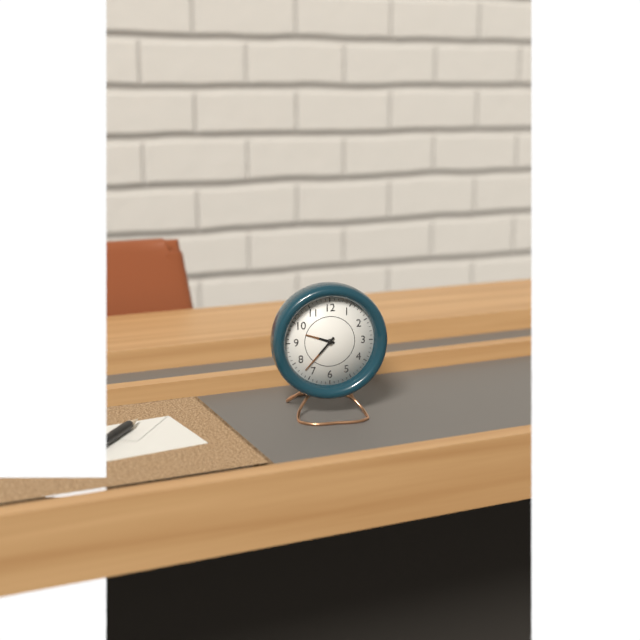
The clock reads 9,37
